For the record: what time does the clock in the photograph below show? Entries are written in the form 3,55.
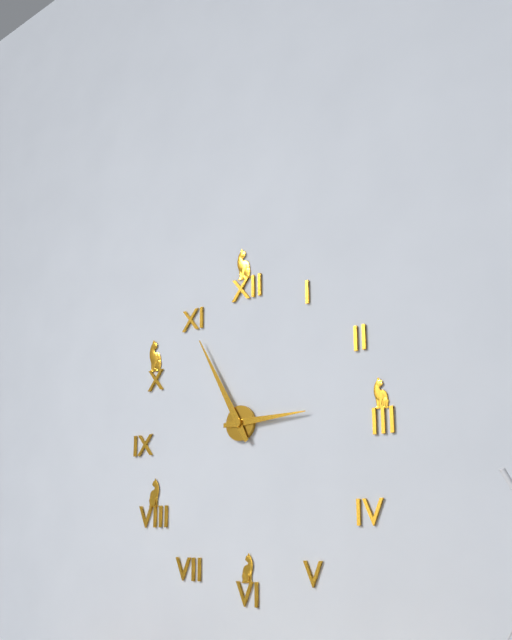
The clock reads 2,55
